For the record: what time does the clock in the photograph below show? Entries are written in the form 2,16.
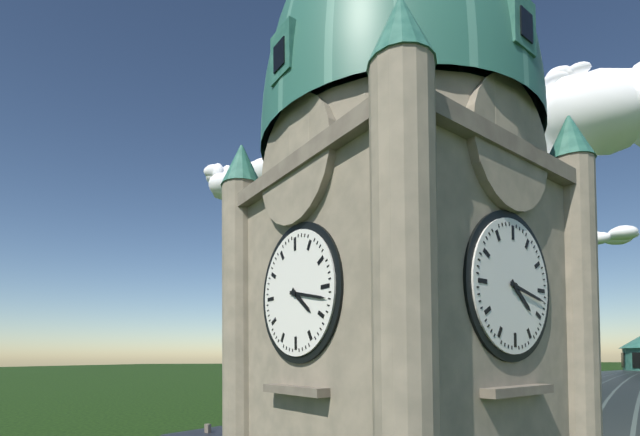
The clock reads 4,17
